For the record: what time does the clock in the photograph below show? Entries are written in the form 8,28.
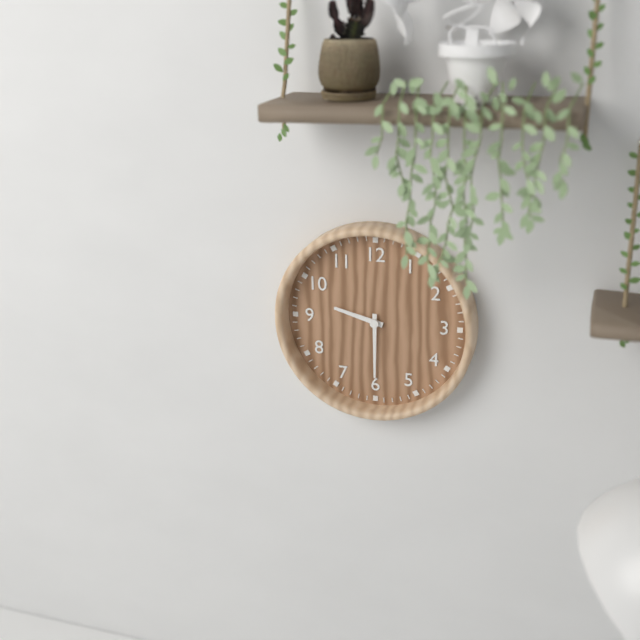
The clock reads 9,30
